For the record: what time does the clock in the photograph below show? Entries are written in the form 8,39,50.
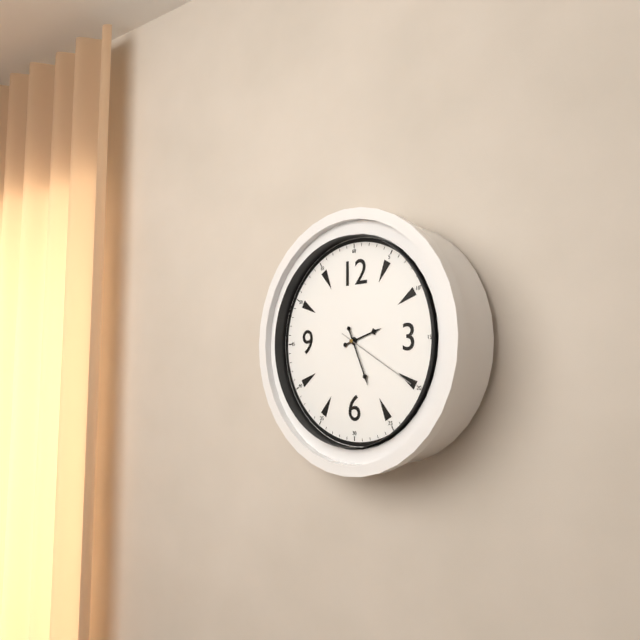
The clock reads 2,26,20
